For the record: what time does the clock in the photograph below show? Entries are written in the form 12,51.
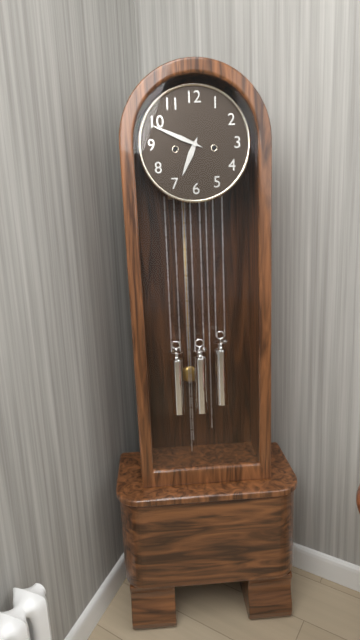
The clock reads 6,49
